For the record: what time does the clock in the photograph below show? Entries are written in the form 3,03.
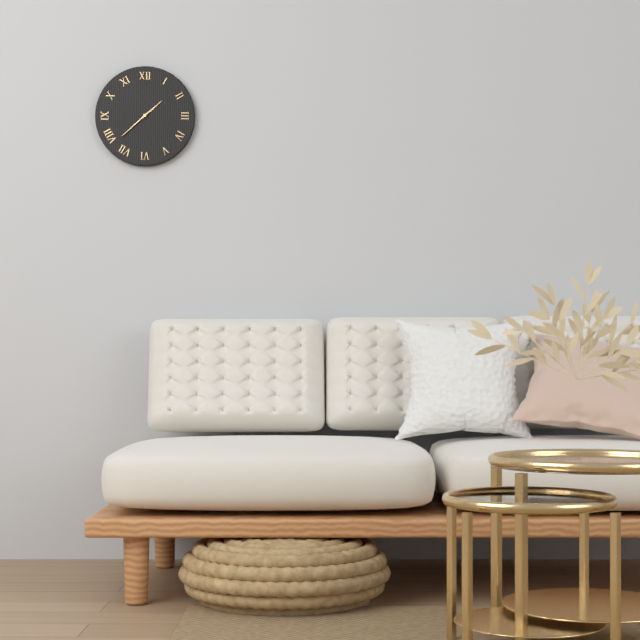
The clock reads 1,38
